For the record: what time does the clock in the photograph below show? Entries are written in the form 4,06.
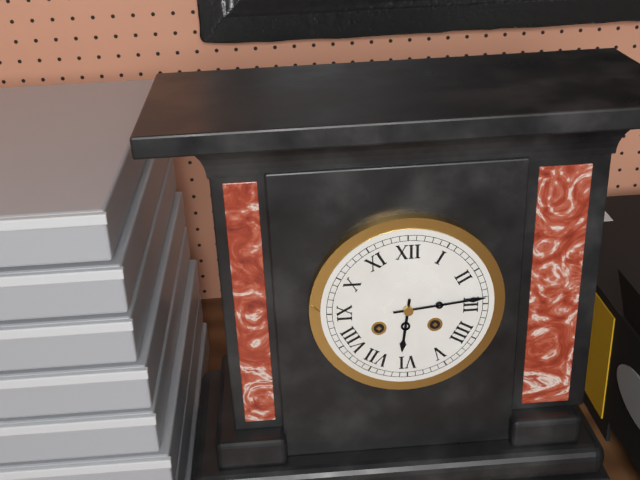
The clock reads 6,14
